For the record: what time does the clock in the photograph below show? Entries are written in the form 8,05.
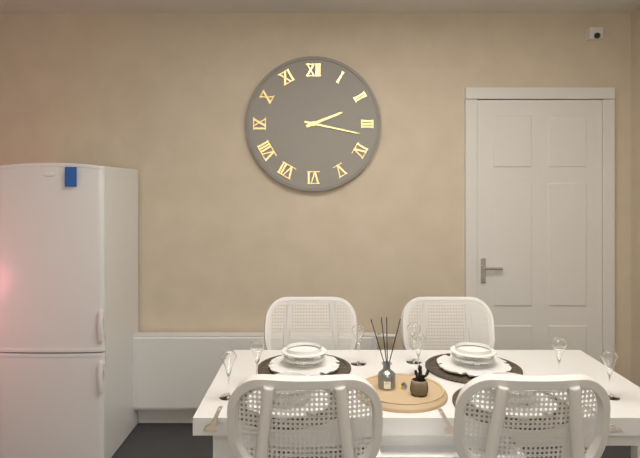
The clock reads 2,17
